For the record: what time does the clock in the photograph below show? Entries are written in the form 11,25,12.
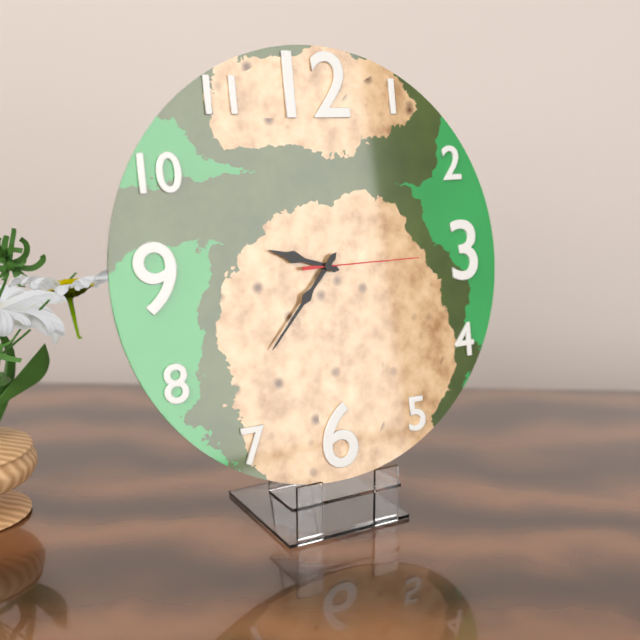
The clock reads 9,37,15
